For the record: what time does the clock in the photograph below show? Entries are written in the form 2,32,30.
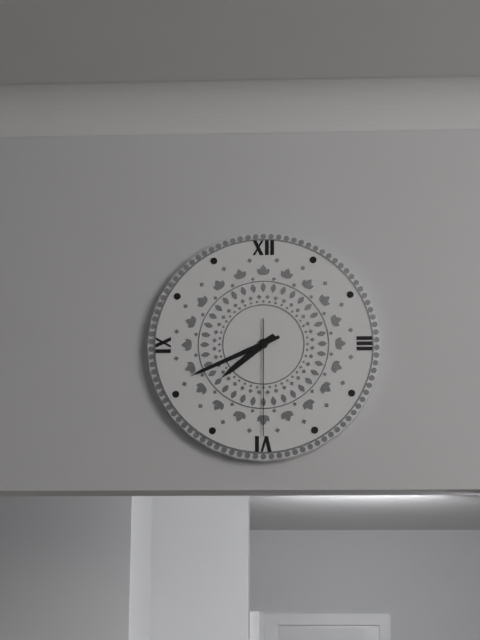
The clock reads 7,41,30
